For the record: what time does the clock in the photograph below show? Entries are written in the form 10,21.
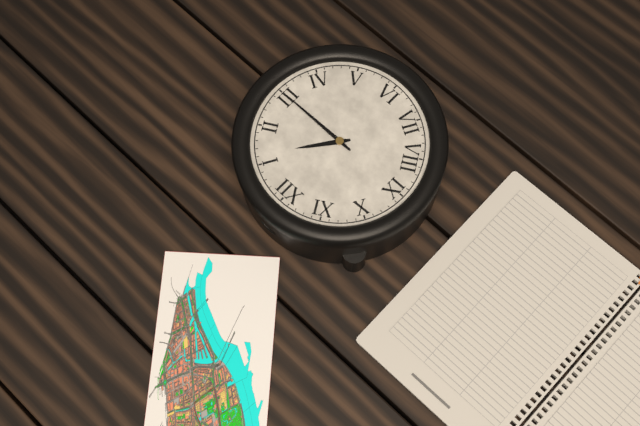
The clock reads 1,15
